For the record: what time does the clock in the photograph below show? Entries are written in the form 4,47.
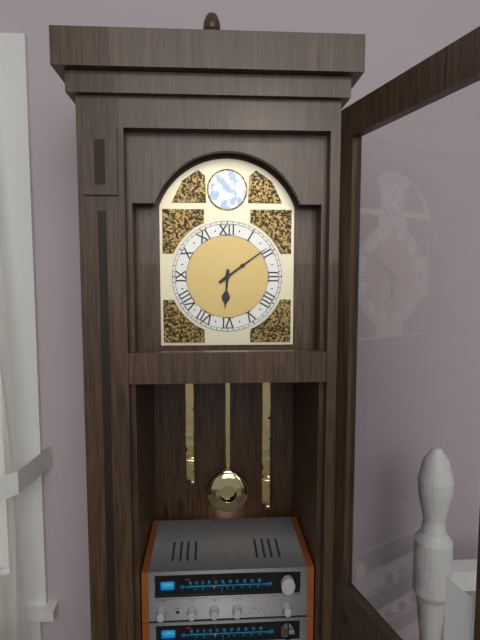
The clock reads 6,09
